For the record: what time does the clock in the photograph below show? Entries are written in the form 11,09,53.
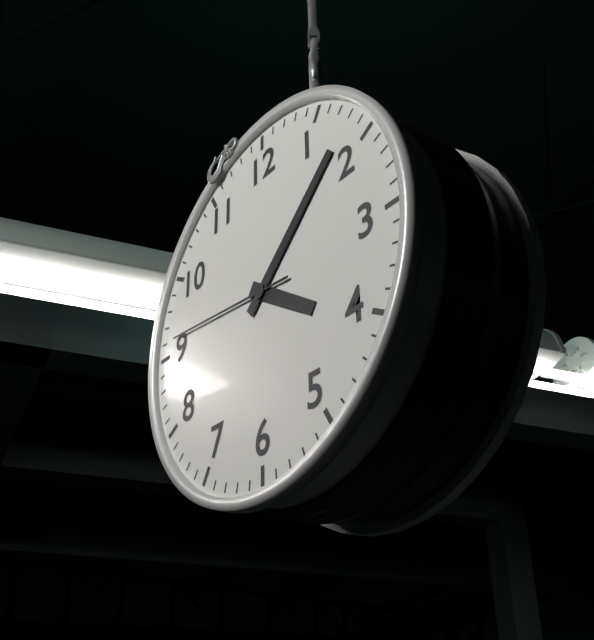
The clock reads 4,08,46
